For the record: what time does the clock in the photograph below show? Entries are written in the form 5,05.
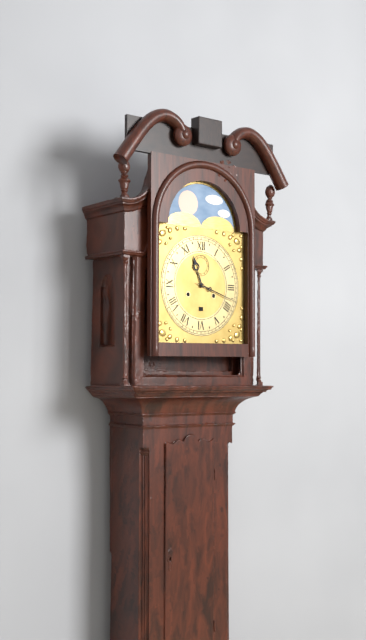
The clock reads 11,18
